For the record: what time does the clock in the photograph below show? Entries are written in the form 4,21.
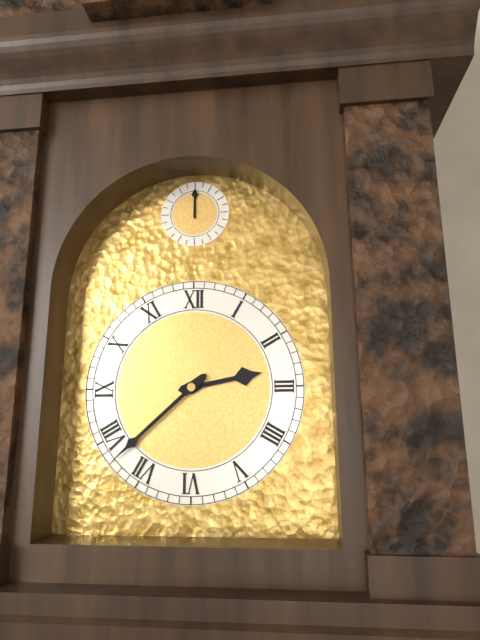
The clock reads 2,38
